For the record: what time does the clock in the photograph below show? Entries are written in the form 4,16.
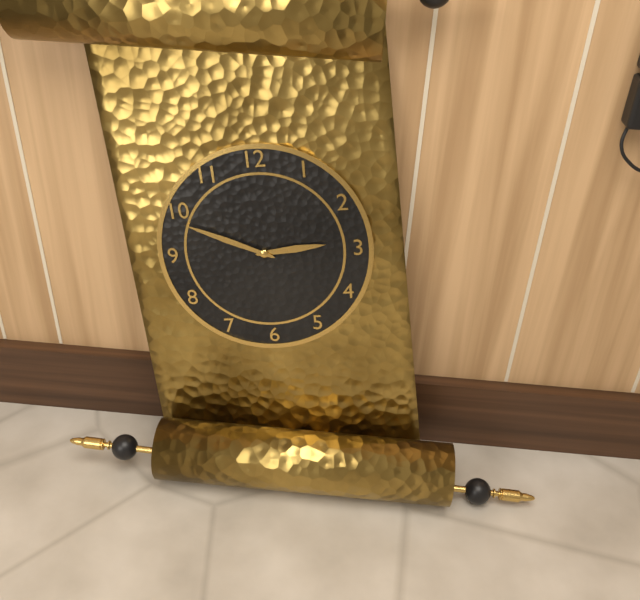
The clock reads 2,49
